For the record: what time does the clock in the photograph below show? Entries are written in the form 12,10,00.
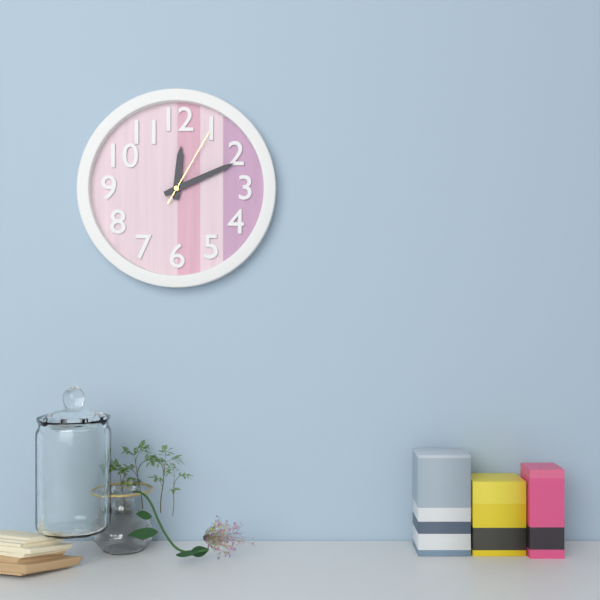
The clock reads 12,11,05
